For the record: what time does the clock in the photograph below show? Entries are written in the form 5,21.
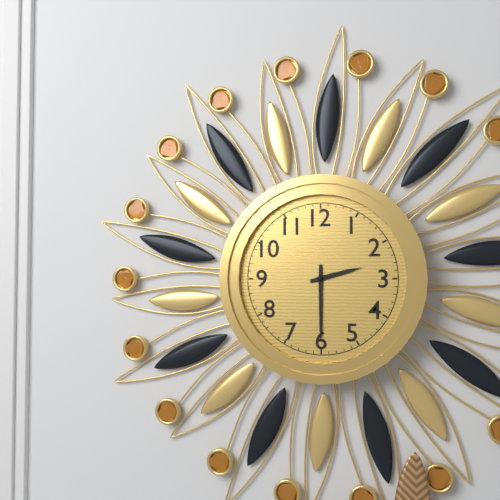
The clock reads 2,30
